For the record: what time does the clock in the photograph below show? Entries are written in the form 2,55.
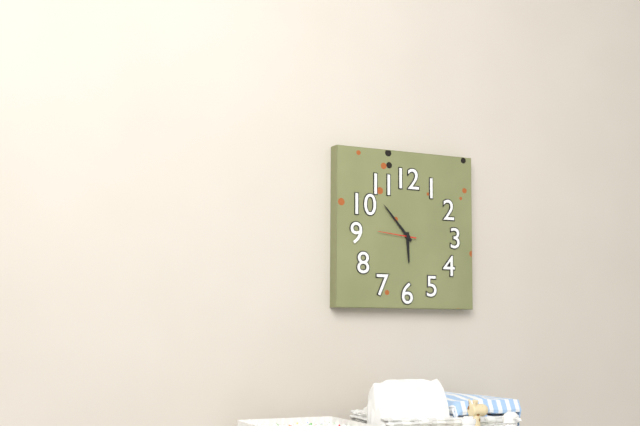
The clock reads 5,53
